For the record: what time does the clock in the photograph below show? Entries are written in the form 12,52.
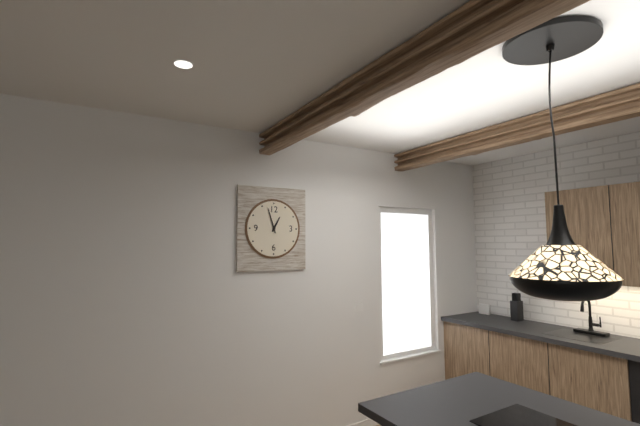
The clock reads 12,57
